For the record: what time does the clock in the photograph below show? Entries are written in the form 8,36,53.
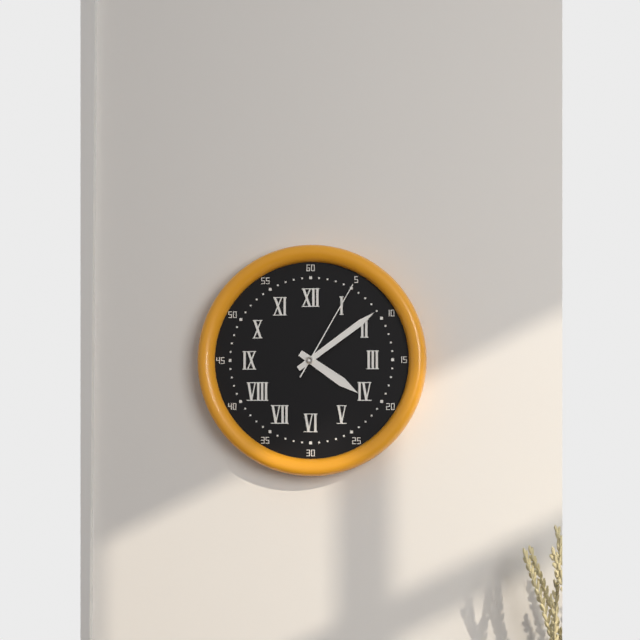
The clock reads 4,09,05
